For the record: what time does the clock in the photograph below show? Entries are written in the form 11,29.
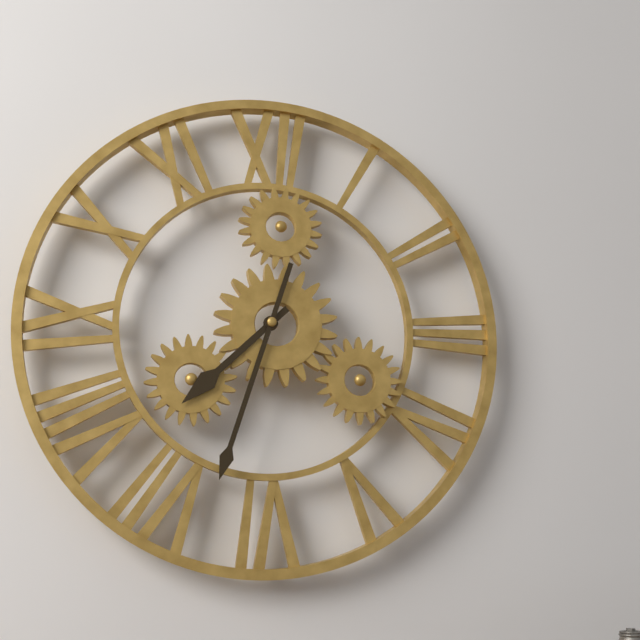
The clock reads 7,33
